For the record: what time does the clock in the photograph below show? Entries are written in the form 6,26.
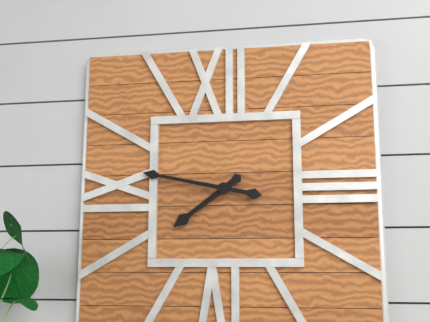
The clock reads 7,47
